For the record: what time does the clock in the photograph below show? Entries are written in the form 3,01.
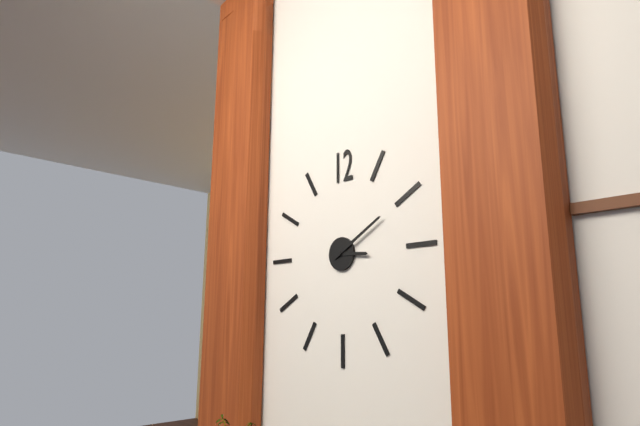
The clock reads 3,10
